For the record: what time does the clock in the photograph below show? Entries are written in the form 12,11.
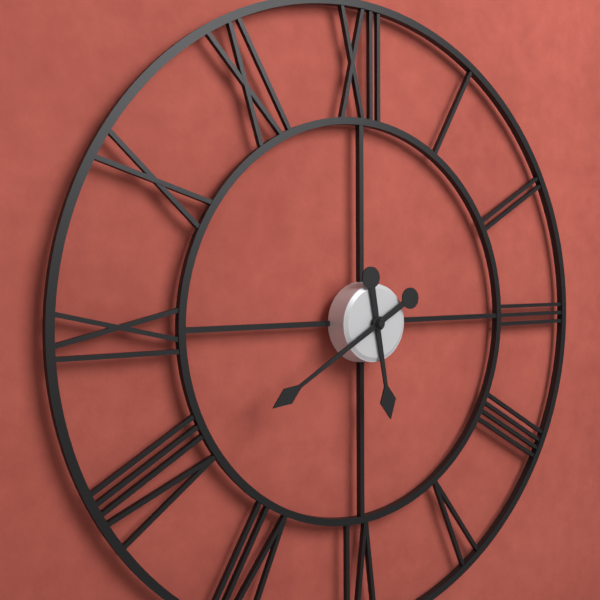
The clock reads 5,40
